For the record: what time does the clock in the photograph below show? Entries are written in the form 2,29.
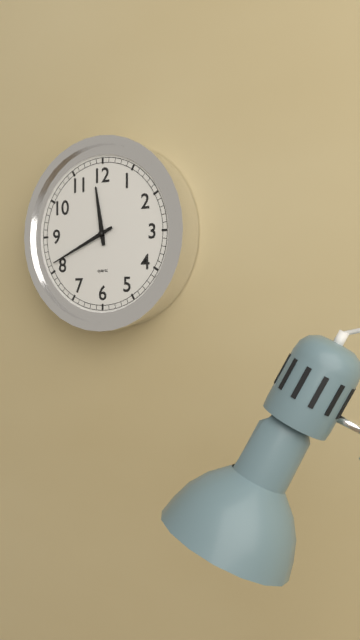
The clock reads 11,41
